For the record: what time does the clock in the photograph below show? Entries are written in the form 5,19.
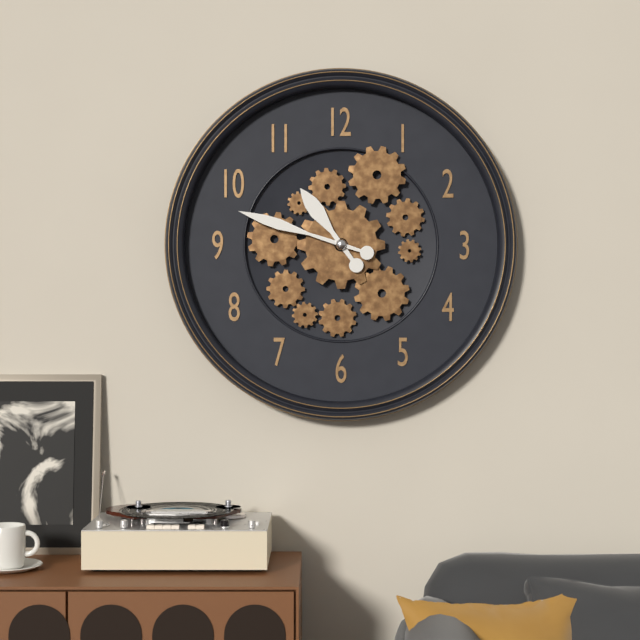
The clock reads 10,48
